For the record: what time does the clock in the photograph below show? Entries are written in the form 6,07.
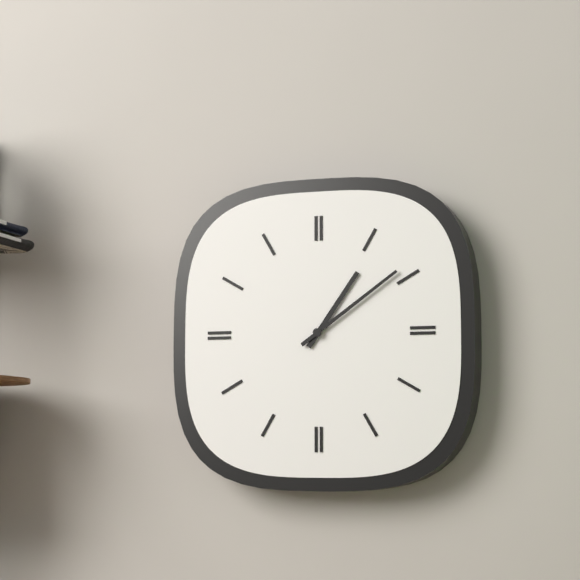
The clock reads 1,09
